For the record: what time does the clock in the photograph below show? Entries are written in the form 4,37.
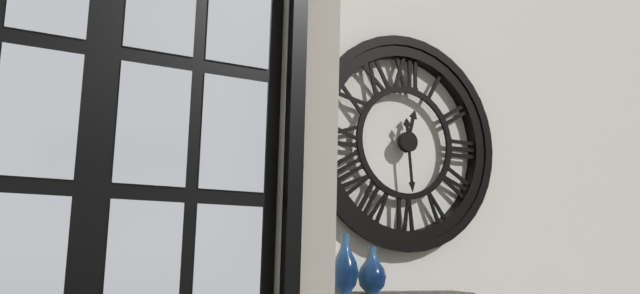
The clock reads 12,29
